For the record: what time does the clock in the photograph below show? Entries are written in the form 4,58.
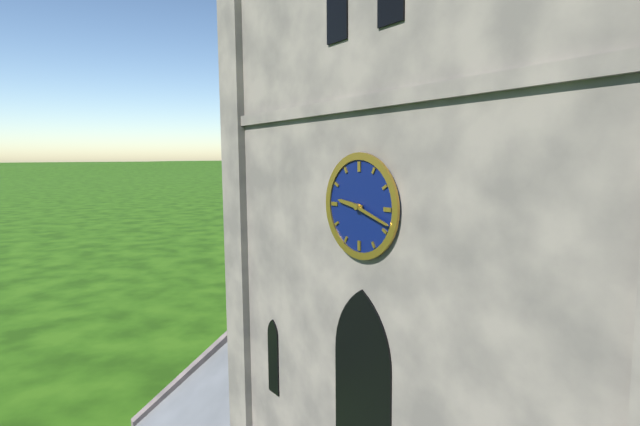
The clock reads 9,18
